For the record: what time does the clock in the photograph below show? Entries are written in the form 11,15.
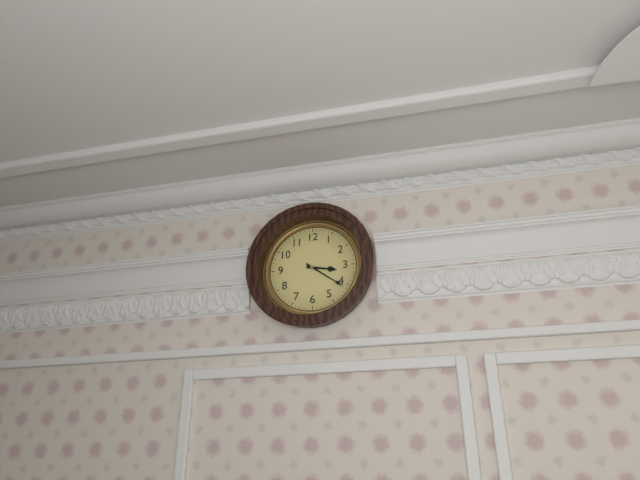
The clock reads 3,21
